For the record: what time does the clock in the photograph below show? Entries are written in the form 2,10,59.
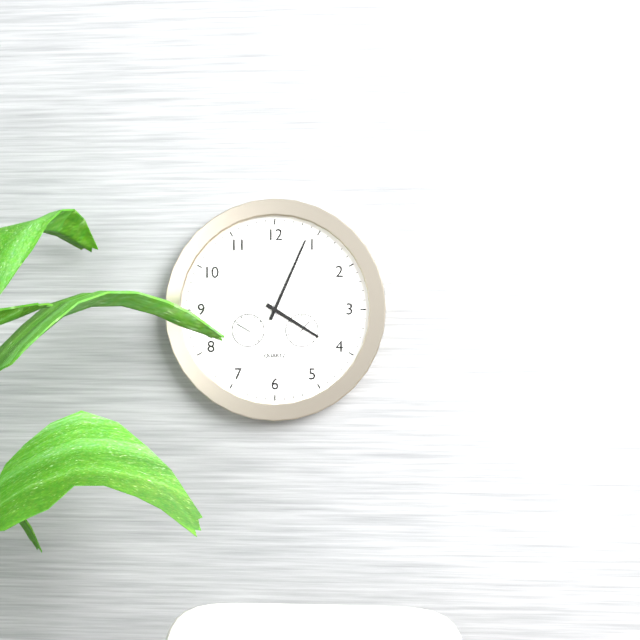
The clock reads 4,04,27
